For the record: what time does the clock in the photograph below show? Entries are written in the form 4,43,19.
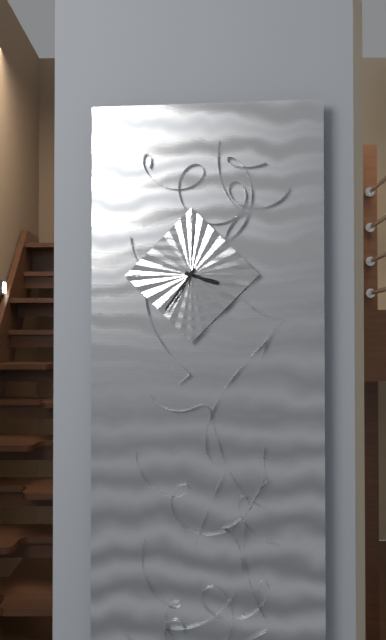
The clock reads 3,36,01
